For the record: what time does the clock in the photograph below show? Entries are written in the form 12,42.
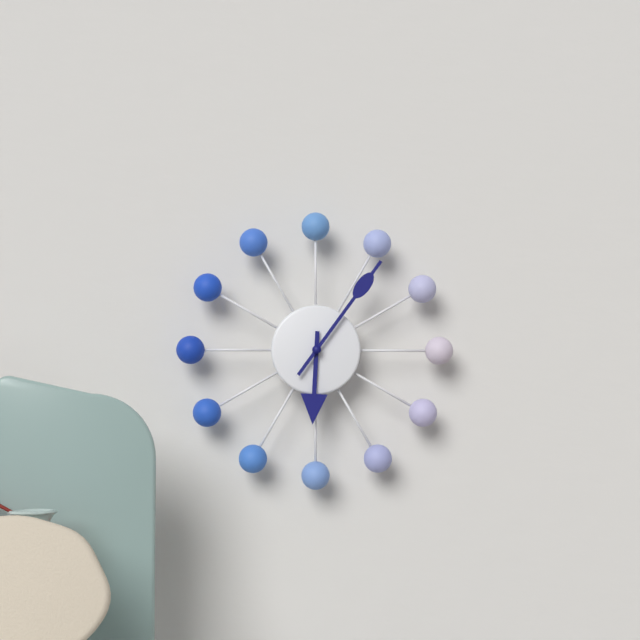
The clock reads 6,06
